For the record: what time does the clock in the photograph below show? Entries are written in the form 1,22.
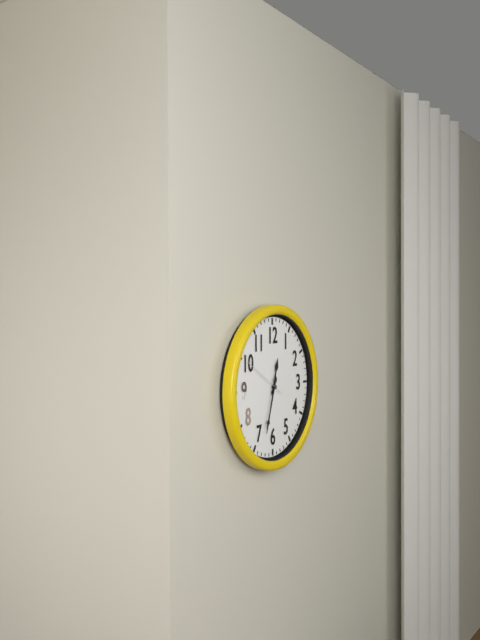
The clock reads 12,33
